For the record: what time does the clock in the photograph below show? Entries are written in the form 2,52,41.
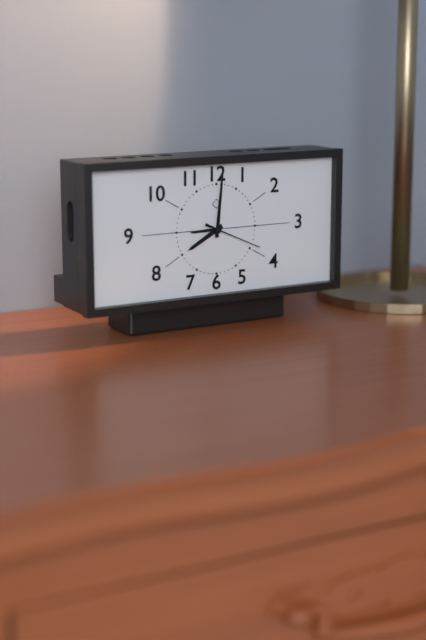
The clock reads 8,01,19
